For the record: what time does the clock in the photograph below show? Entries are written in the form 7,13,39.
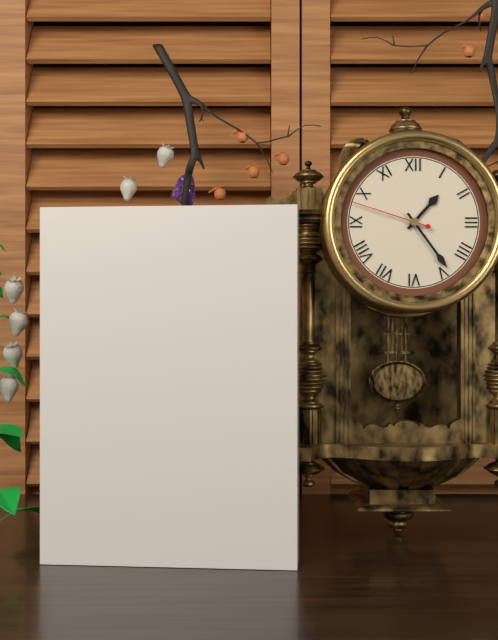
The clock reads 1,24,48
